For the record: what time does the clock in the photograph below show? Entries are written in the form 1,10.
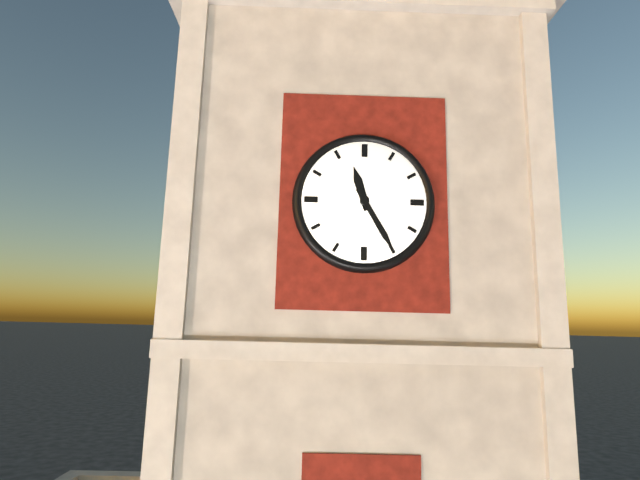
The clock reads 11,25
